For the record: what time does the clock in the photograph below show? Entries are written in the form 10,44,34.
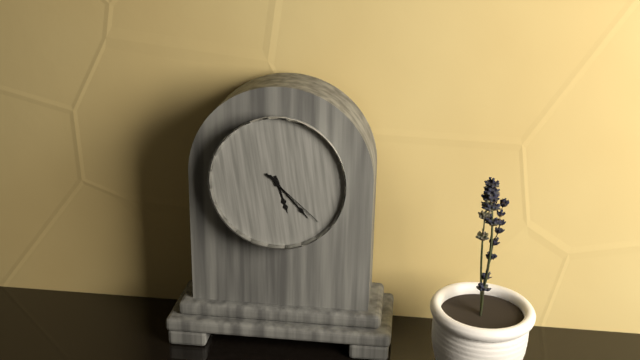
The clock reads 5,23,22
